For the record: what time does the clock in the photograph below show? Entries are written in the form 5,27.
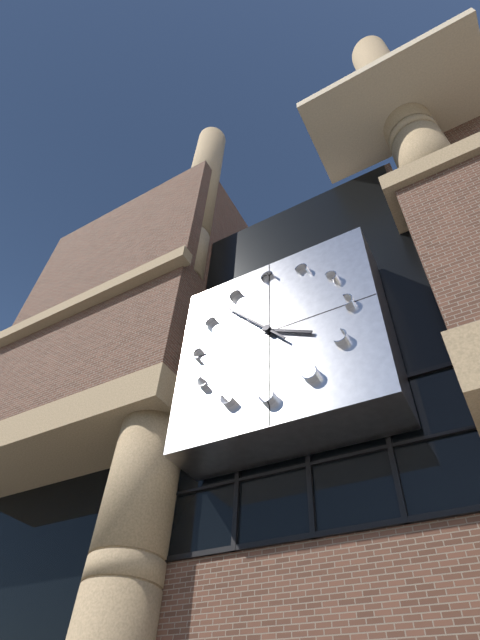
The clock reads 3,53
